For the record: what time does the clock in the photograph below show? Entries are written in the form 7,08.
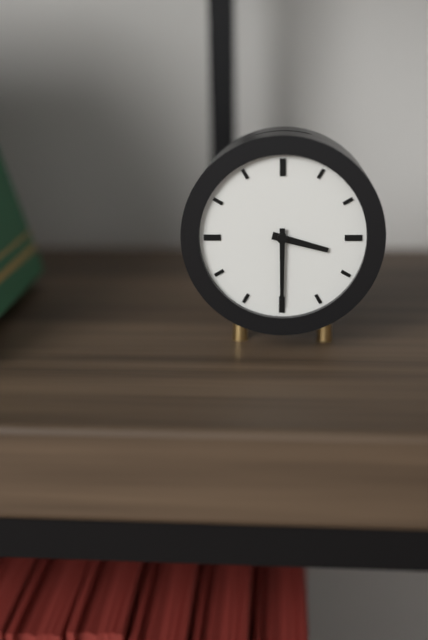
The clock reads 3,30
